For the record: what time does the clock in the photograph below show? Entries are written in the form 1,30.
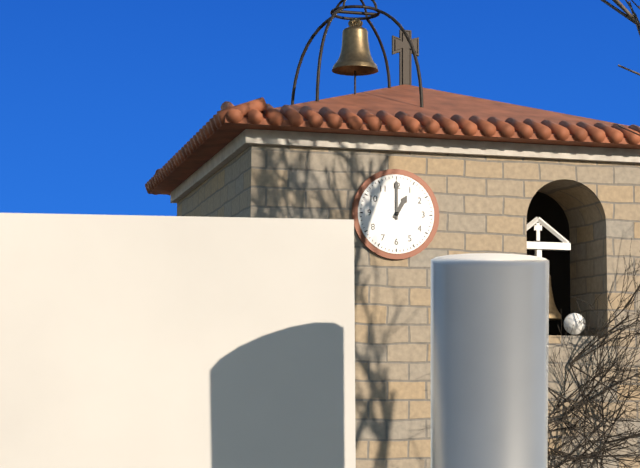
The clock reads 1,00
